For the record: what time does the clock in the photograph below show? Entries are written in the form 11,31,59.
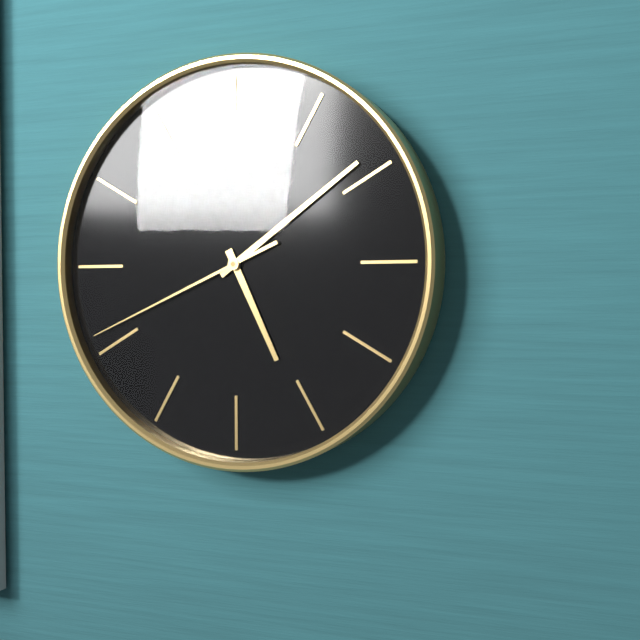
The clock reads 5,09,41
